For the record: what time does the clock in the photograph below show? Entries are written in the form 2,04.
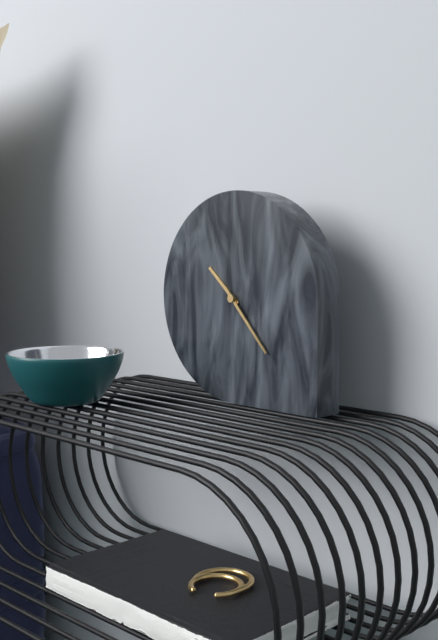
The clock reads 10,23
